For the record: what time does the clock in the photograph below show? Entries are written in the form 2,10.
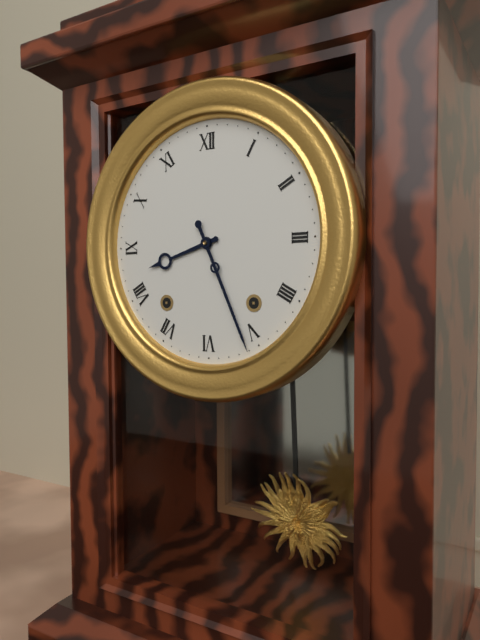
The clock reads 8,26
